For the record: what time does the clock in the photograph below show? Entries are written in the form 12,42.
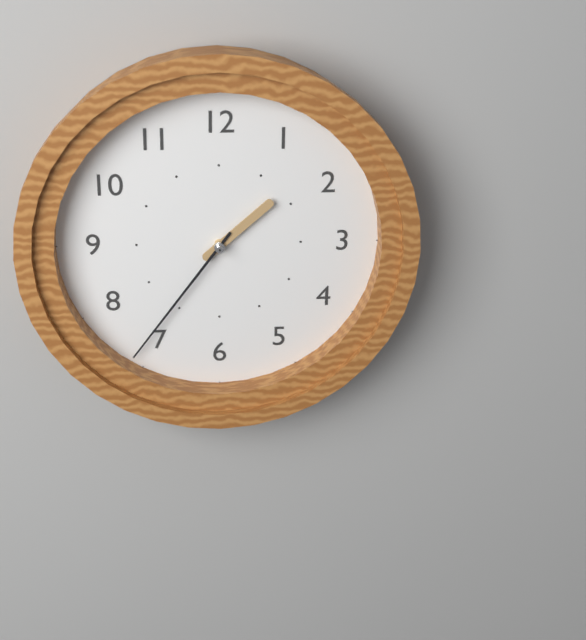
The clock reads 1,36
